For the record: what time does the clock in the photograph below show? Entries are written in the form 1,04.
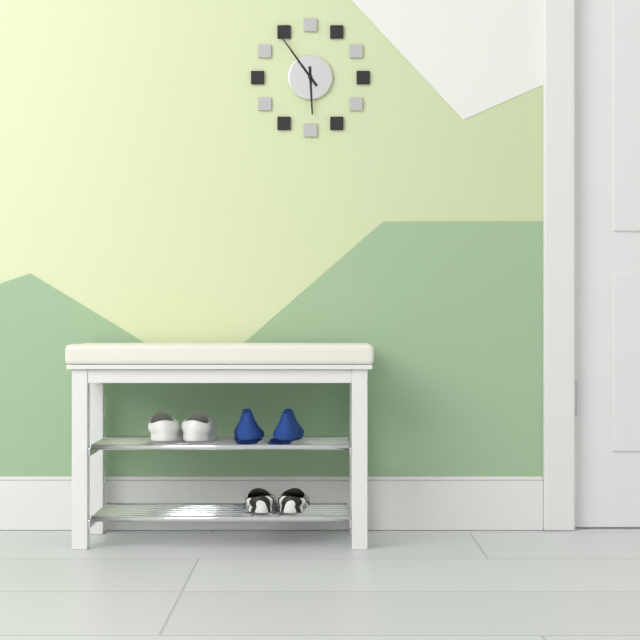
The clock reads 5,54
